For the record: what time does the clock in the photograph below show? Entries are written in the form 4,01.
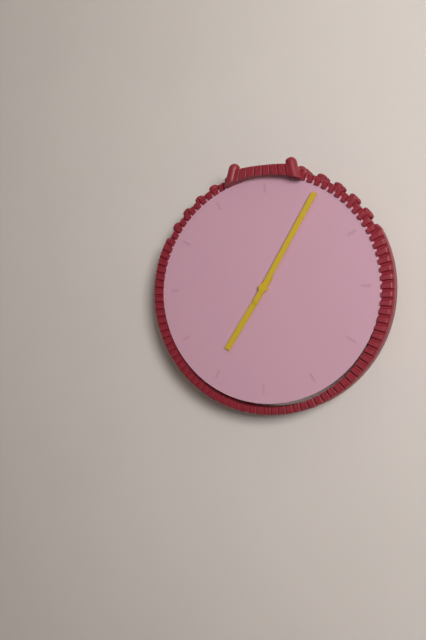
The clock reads 7,05
